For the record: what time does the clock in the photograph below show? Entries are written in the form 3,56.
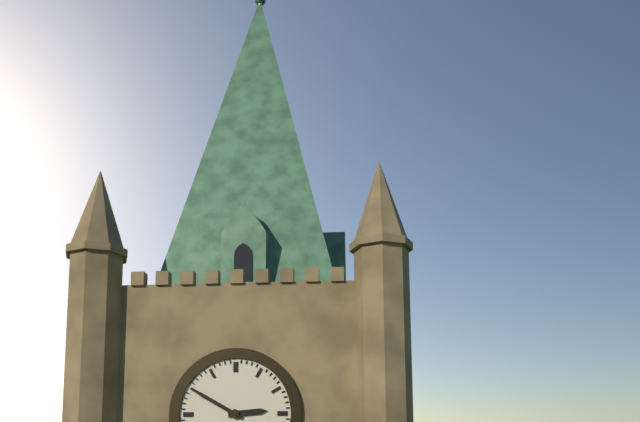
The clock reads 2,50
